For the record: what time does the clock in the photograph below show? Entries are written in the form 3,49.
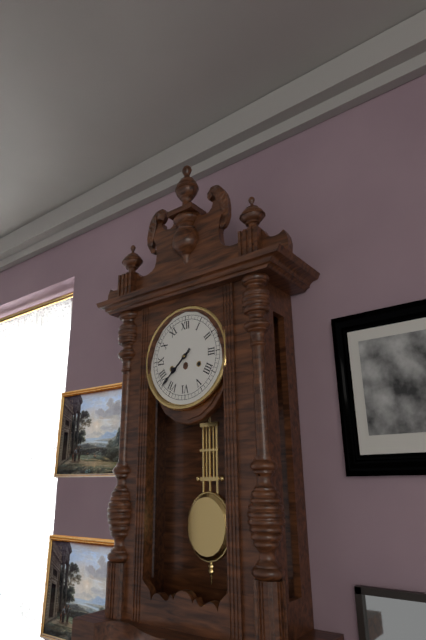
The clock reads 7,38
